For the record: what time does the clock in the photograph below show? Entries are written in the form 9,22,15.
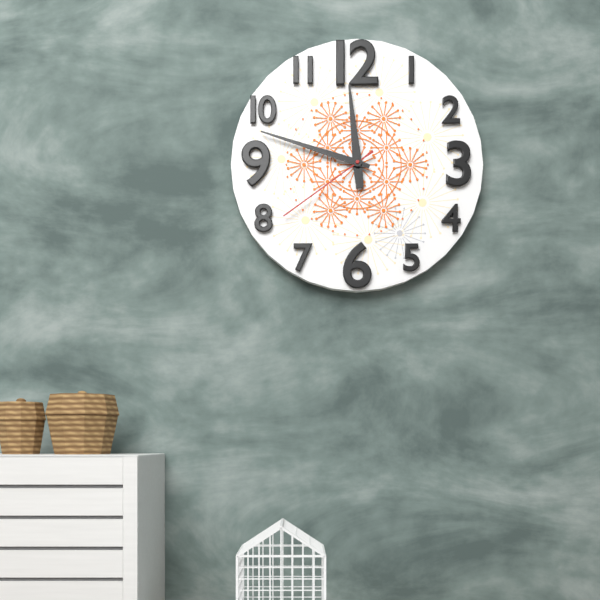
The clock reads 11,48,39
